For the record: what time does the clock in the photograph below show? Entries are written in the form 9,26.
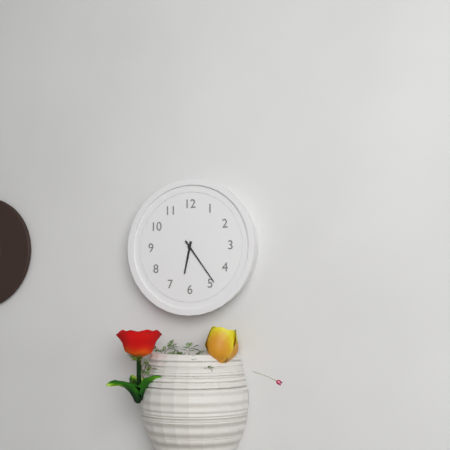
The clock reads 6,24
